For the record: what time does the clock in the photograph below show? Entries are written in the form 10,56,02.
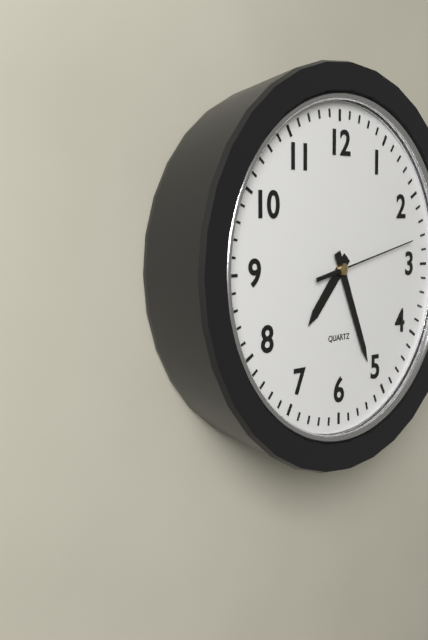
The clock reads 7,26,13
